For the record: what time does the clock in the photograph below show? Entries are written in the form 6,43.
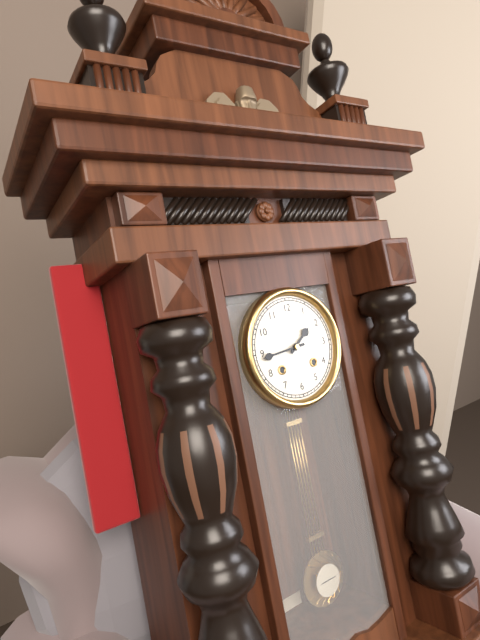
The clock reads 1,44
